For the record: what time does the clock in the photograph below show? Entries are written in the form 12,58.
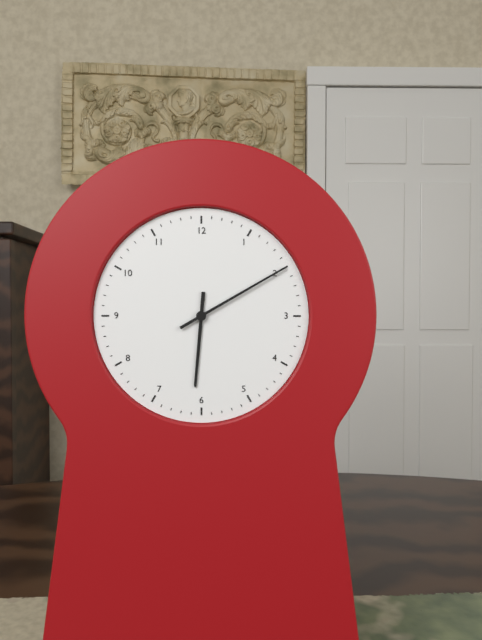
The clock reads 6,10
